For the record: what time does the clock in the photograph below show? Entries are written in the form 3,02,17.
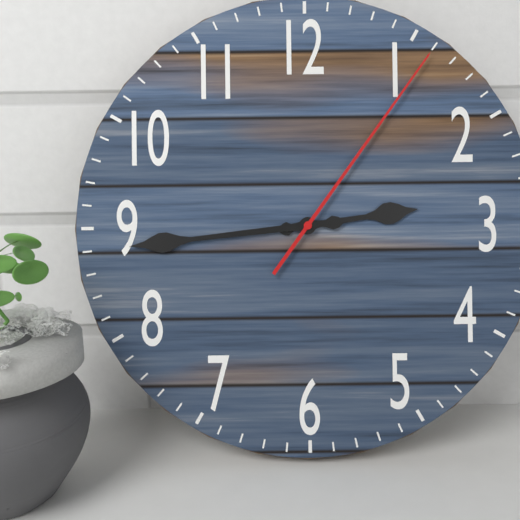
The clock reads 2,44,06
